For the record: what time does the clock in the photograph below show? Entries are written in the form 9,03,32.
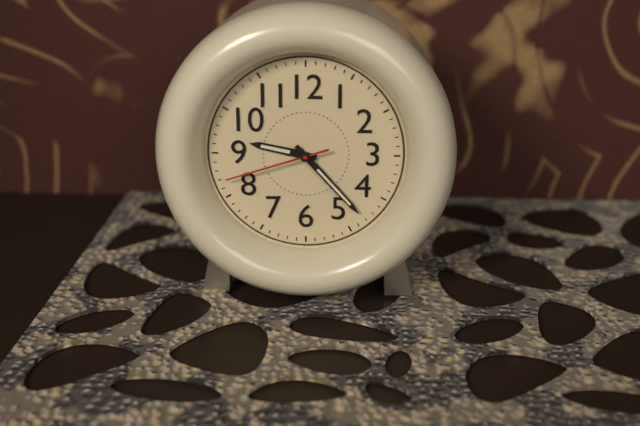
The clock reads 9,23,42
